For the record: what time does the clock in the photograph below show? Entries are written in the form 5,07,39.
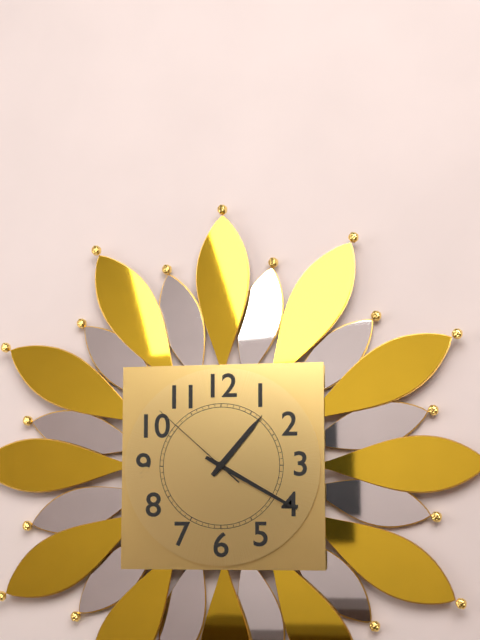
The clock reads 1,20,52
